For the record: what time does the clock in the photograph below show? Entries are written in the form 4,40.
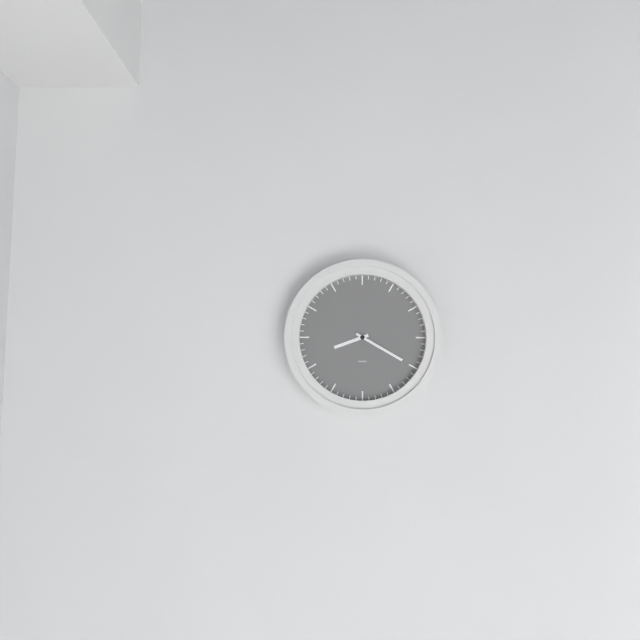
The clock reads 8,20
